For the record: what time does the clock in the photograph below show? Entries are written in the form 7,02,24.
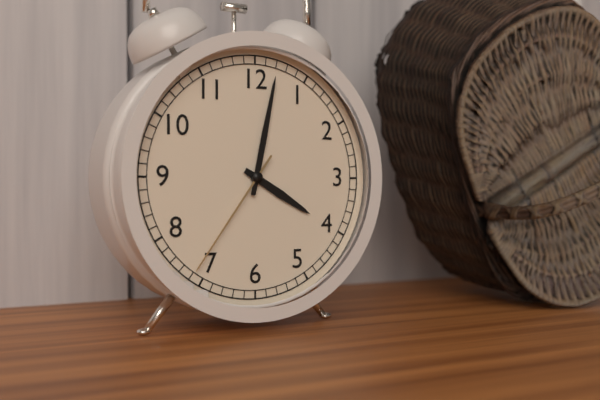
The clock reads 4,02,36
